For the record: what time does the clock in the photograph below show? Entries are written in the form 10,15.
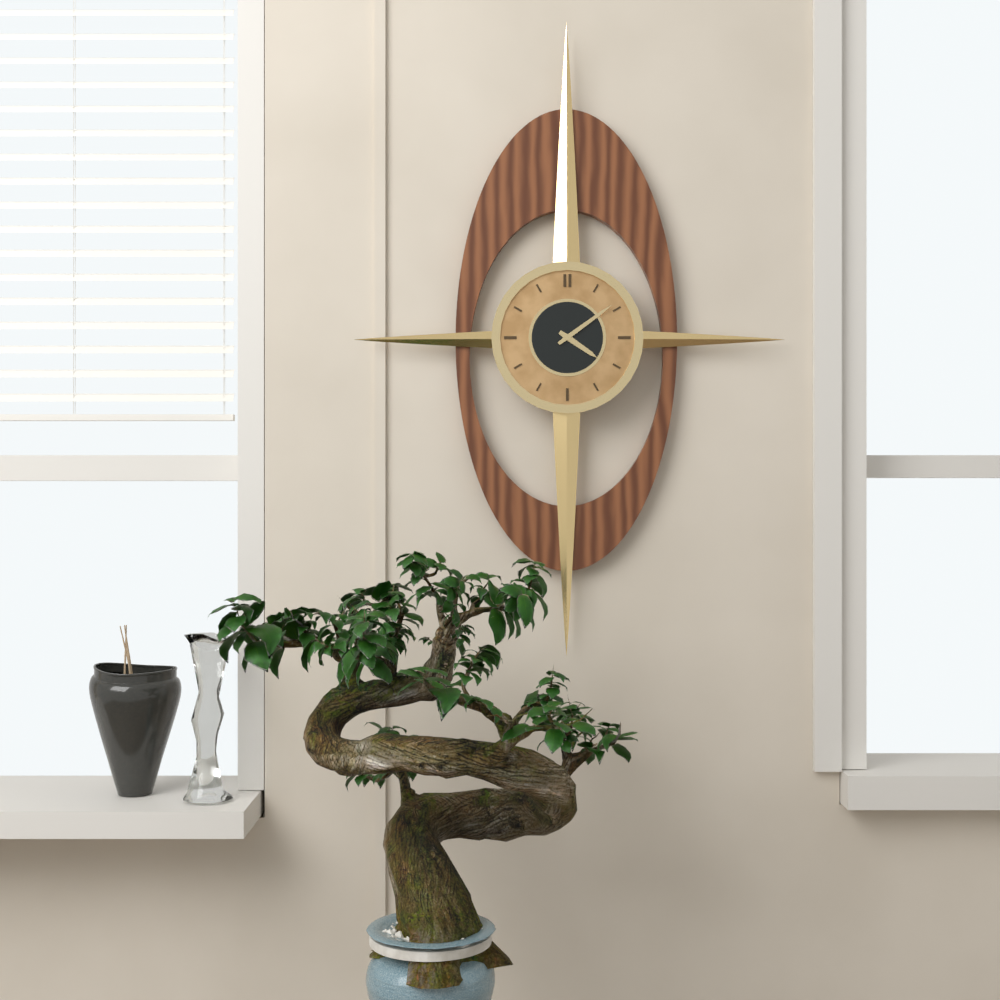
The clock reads 4,09
